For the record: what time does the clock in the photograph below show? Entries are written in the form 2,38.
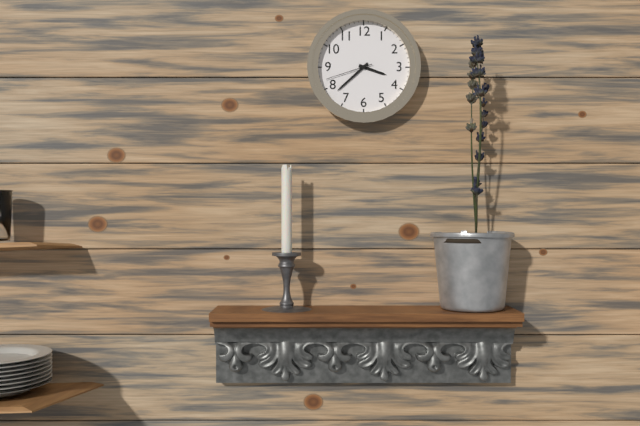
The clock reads 3,38
